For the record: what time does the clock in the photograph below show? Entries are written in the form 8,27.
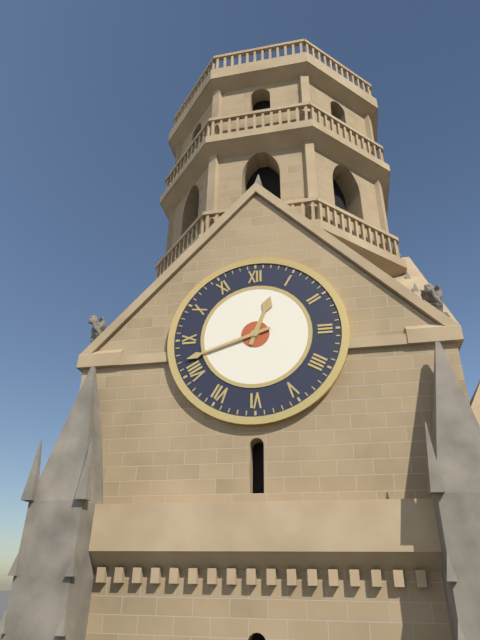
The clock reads 12,42
